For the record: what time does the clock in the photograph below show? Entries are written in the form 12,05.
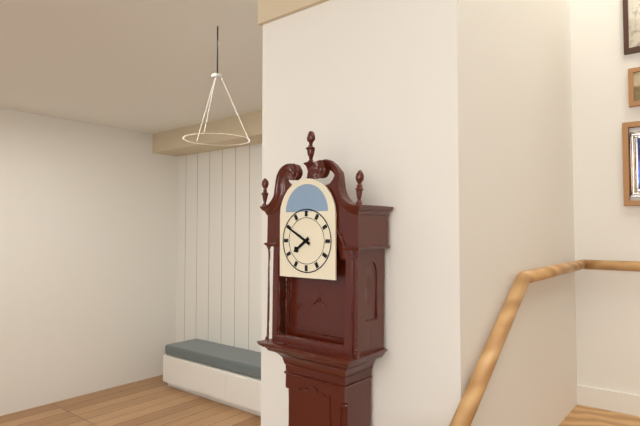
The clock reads 7,50
